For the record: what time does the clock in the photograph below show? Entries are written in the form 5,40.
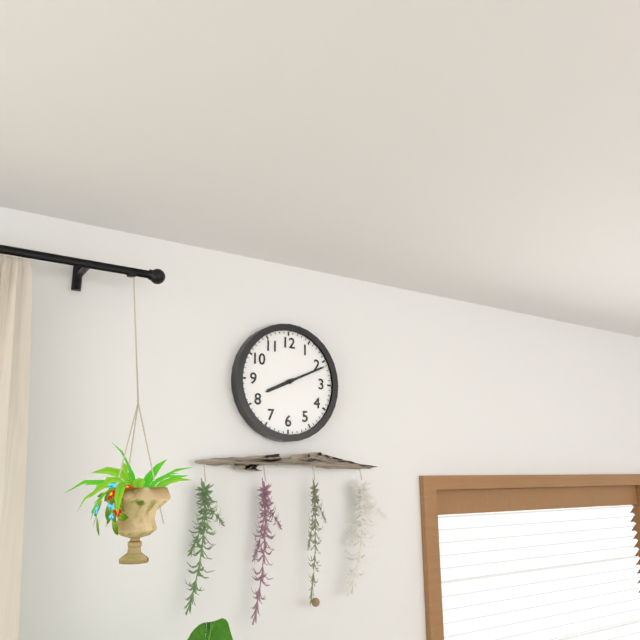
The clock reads 8,11
